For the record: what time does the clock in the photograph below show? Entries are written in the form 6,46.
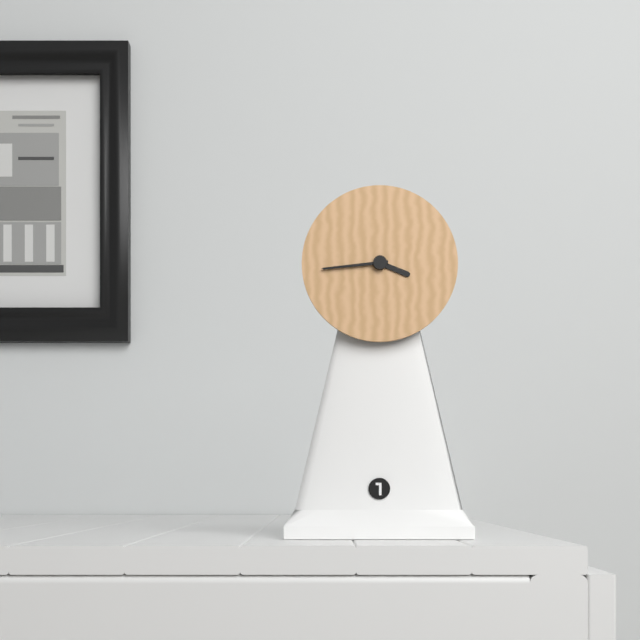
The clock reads 3,44
